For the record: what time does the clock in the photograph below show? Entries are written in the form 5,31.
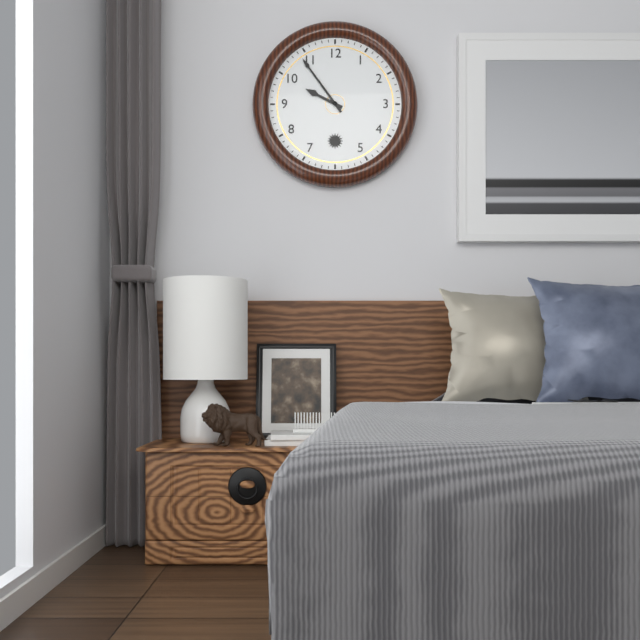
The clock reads 9,54
